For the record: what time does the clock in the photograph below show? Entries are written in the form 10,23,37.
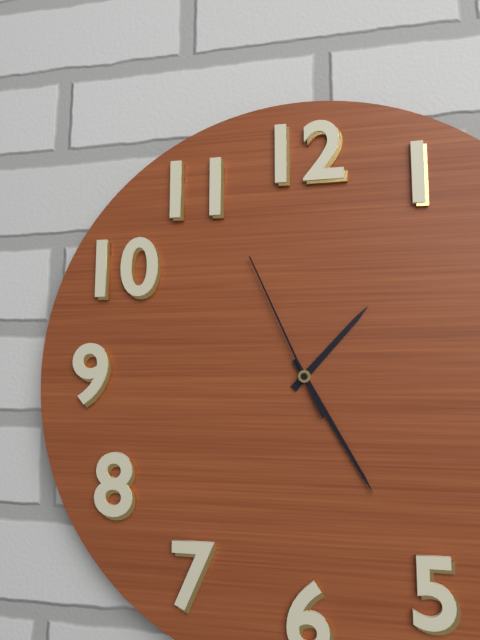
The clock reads 1,25,56
